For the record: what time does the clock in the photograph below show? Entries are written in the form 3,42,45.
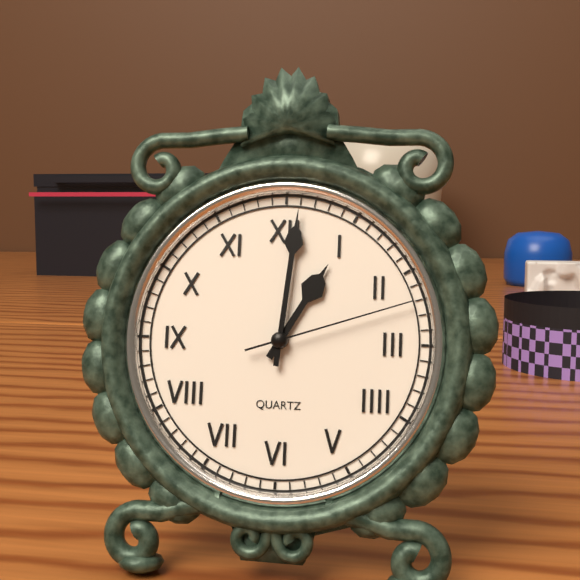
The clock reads 1,01,12
